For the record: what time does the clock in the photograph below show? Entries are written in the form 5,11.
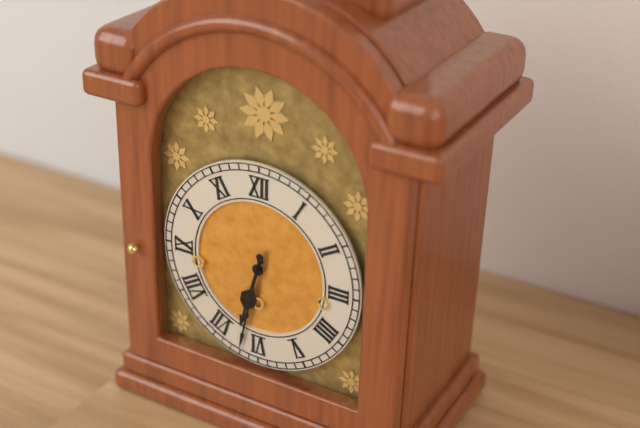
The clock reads 6,32
